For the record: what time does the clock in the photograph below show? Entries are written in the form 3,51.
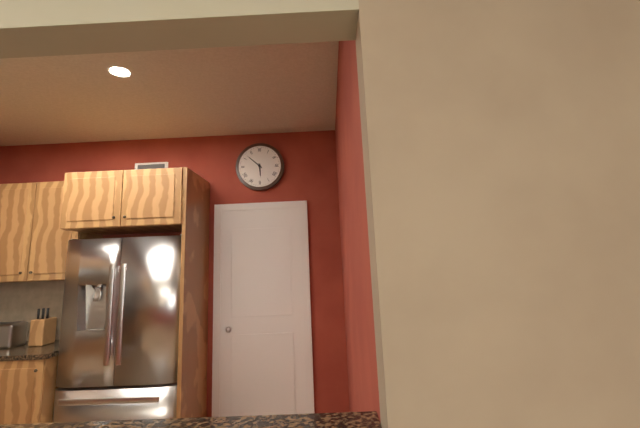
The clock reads 5,52
